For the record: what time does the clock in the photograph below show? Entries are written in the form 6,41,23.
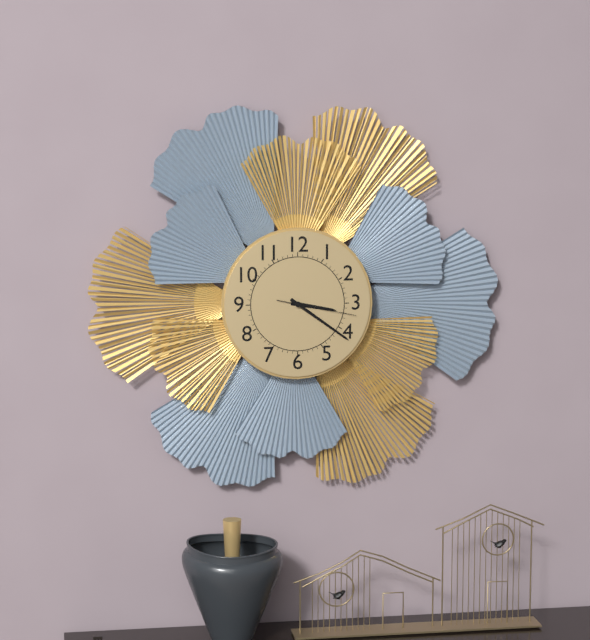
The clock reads 3,21,17
